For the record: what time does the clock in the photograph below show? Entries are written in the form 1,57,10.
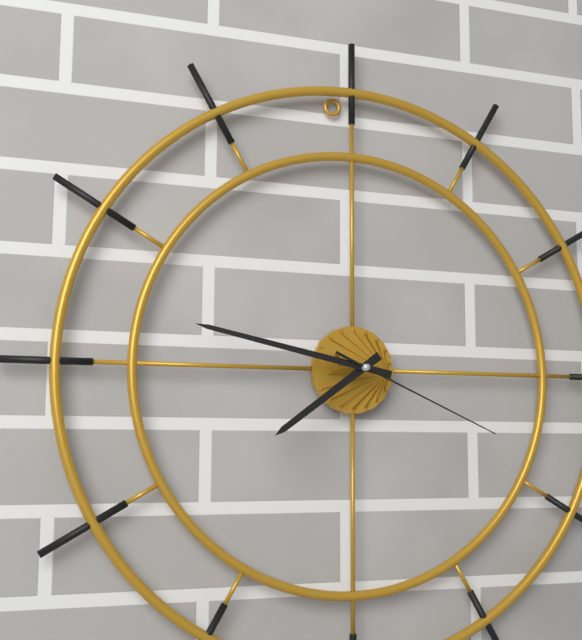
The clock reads 7,47,19
